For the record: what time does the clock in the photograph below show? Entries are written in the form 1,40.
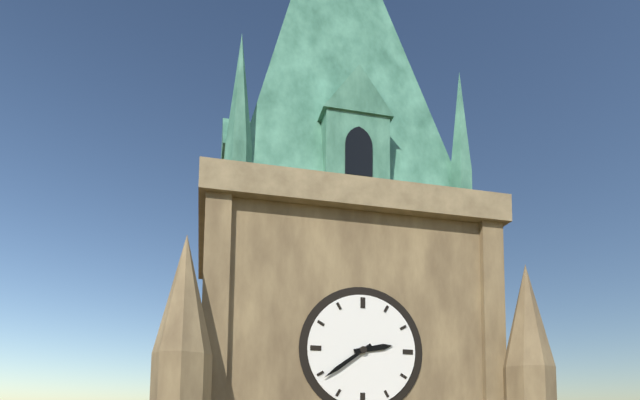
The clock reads 2,39
